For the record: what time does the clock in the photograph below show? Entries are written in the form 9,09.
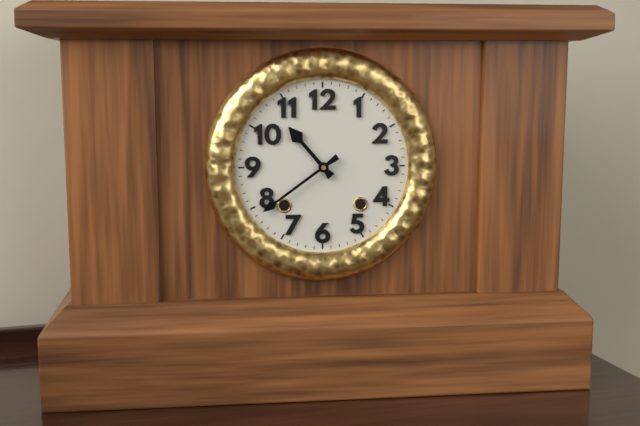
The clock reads 10,39
